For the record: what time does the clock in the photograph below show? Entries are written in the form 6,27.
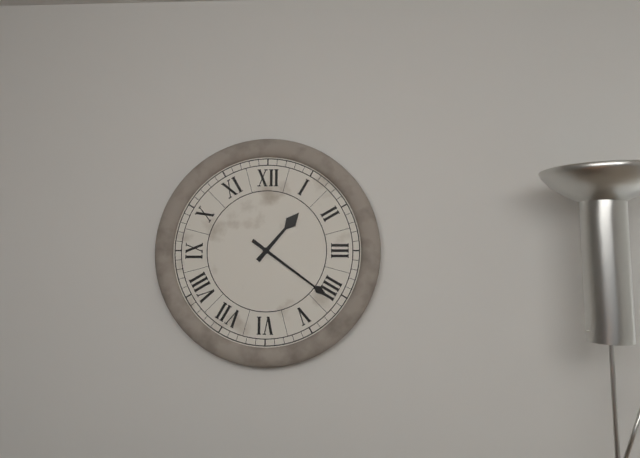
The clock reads 1,21
